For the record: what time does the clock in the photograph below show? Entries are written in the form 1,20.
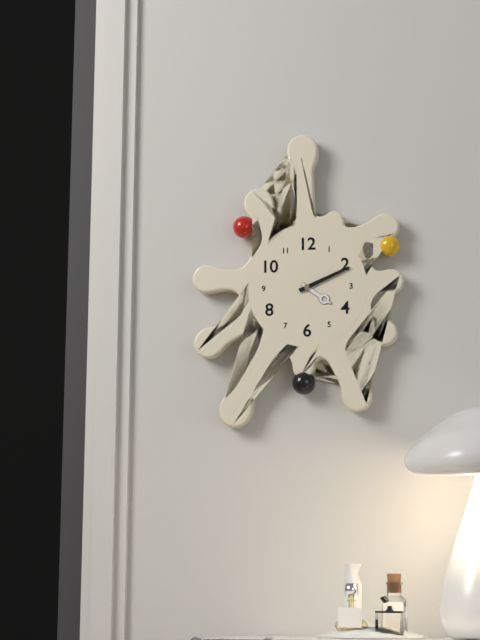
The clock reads 4,11
